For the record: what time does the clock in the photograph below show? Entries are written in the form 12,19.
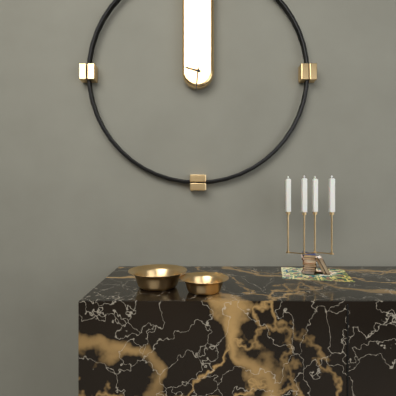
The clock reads 9,31
